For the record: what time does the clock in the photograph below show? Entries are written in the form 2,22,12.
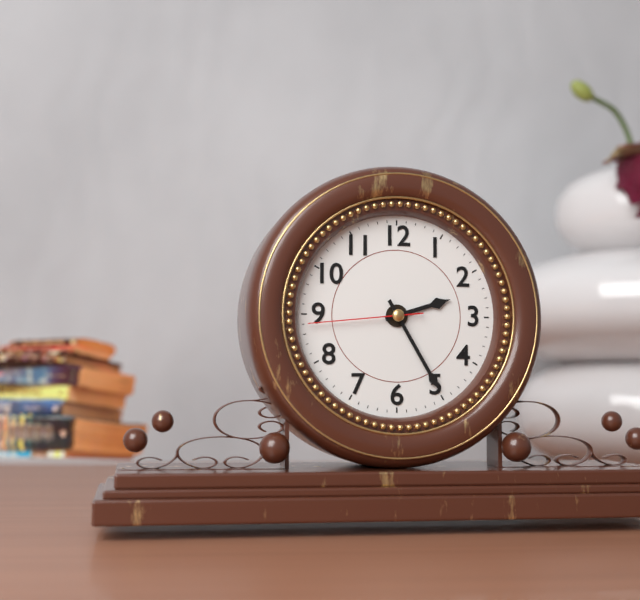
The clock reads 2,25,44
